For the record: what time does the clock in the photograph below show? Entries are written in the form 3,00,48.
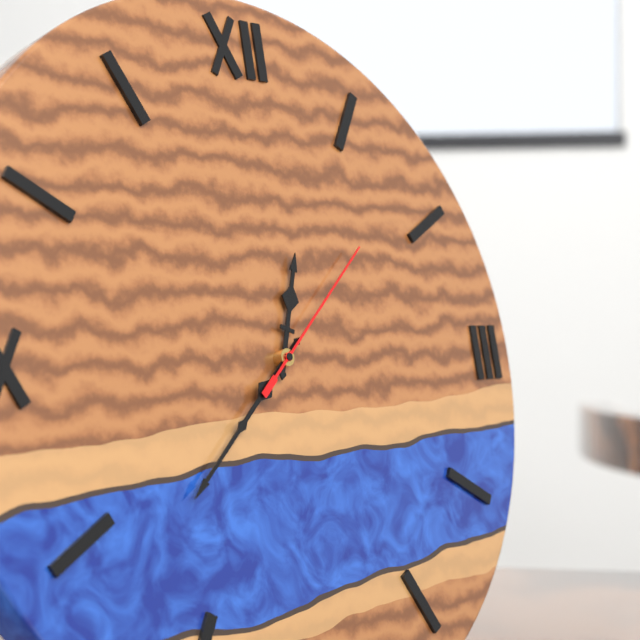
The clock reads 12,38,08
